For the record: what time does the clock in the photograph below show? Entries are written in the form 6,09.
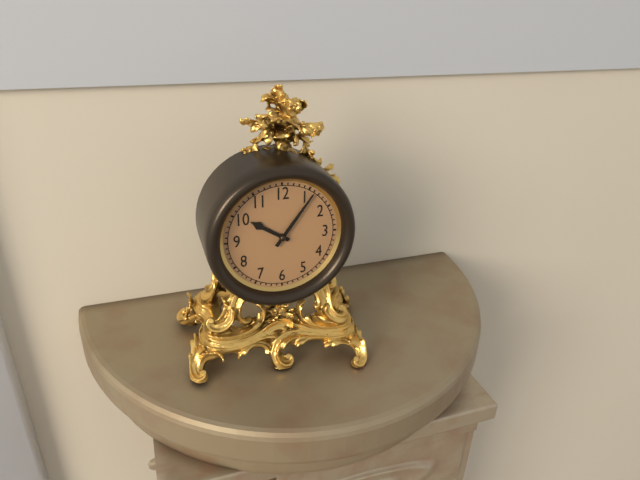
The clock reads 10,06
